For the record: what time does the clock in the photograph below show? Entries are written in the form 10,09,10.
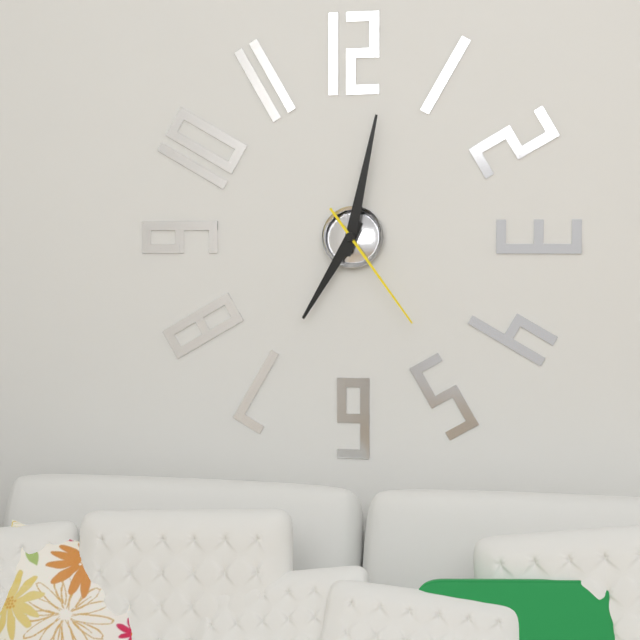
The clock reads 7,02,24
